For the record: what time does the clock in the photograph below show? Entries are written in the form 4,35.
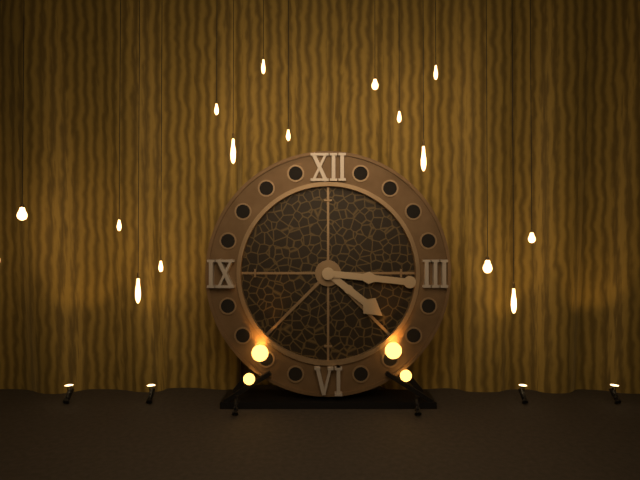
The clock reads 4,16
